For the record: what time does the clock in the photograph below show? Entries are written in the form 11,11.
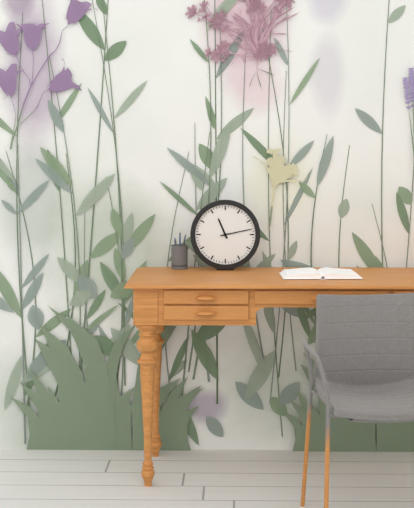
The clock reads 11,13
